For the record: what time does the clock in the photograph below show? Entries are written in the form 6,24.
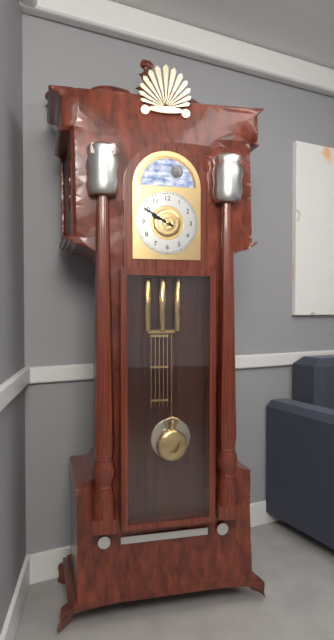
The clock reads 9,50
